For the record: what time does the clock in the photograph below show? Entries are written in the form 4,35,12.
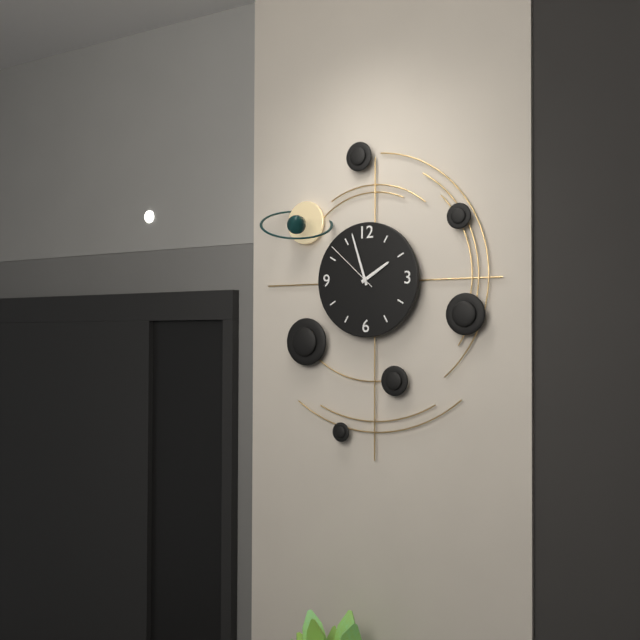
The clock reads 1,57,52
